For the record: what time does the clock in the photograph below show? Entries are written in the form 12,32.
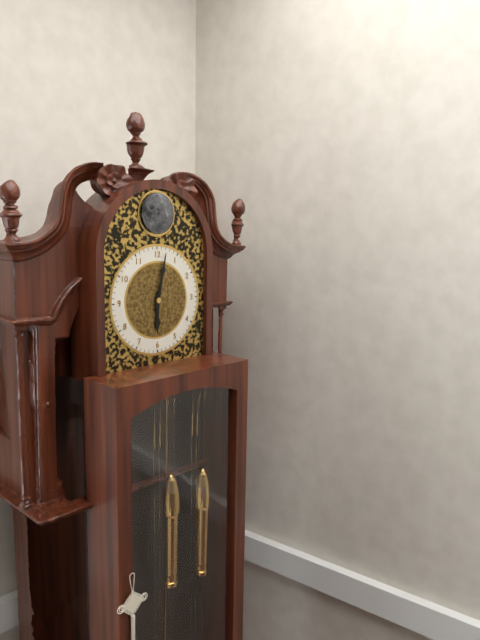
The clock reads 6,02
